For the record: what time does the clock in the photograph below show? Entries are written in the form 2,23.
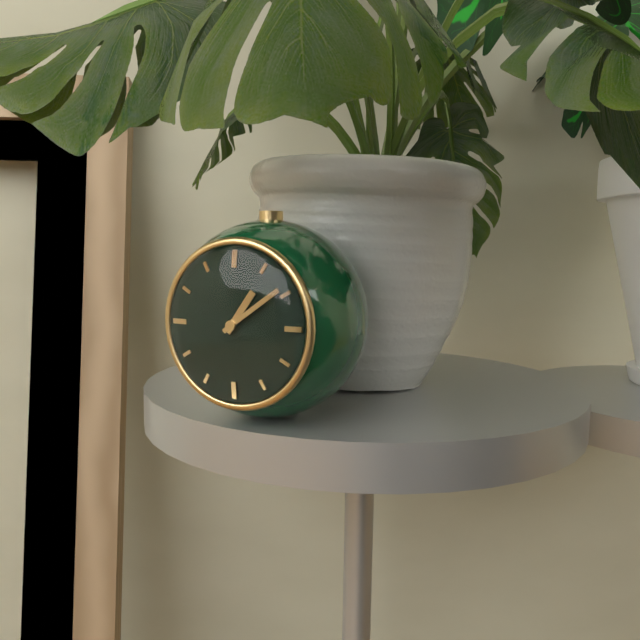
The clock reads 1,09
